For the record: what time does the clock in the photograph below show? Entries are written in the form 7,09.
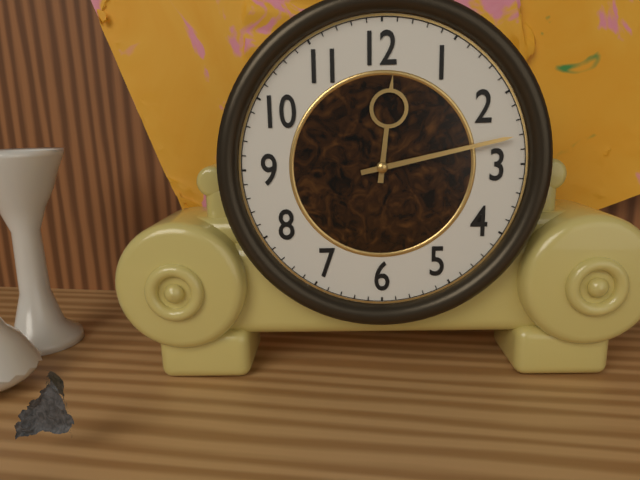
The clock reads 12,13
